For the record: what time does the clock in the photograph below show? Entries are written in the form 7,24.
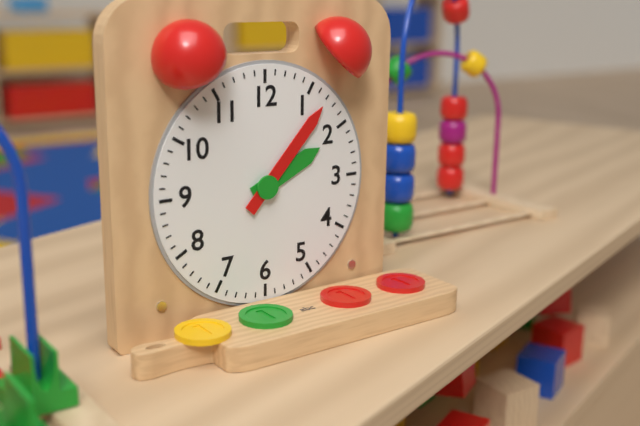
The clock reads 2,07
